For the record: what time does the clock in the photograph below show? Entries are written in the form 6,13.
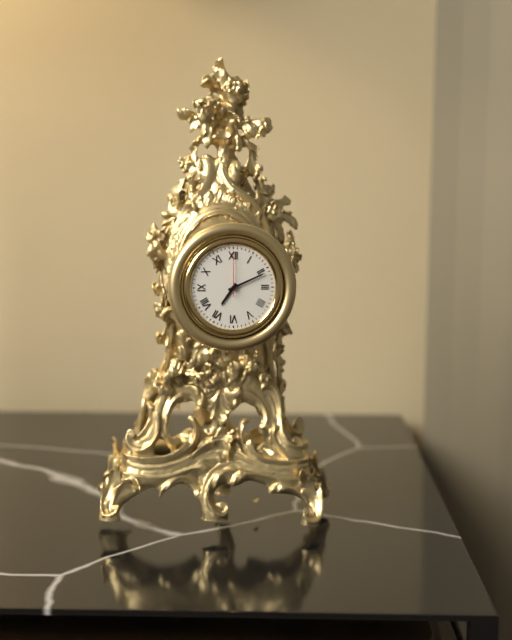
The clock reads 7,11
